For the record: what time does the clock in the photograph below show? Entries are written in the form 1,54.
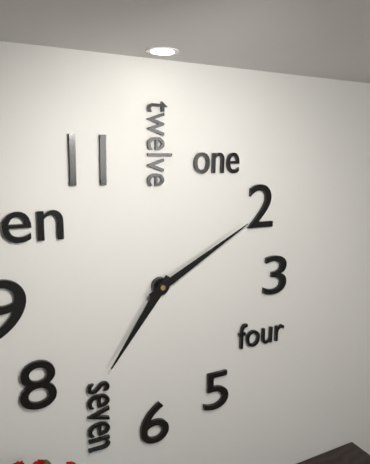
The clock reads 7,10
